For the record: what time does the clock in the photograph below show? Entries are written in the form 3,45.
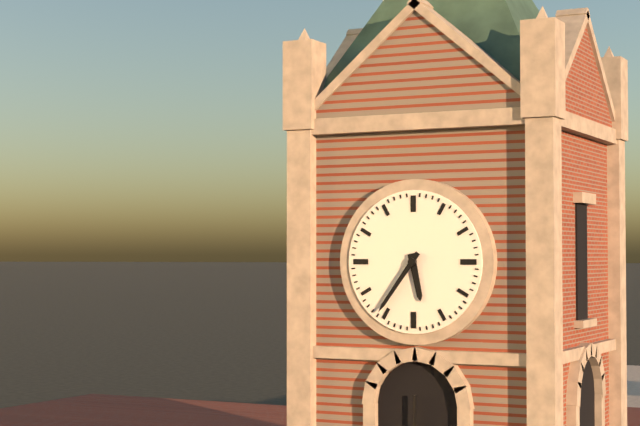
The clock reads 5,36
